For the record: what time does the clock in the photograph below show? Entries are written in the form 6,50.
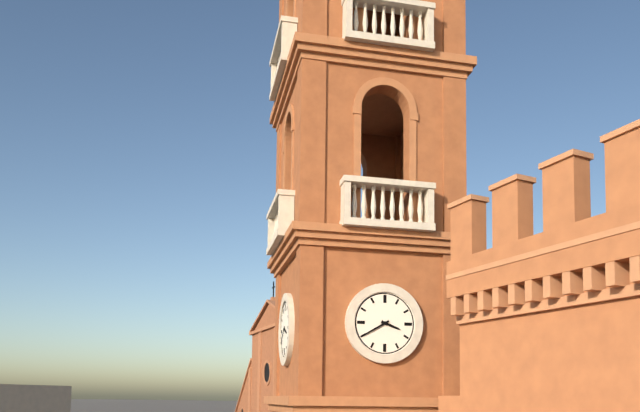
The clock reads 3,40
